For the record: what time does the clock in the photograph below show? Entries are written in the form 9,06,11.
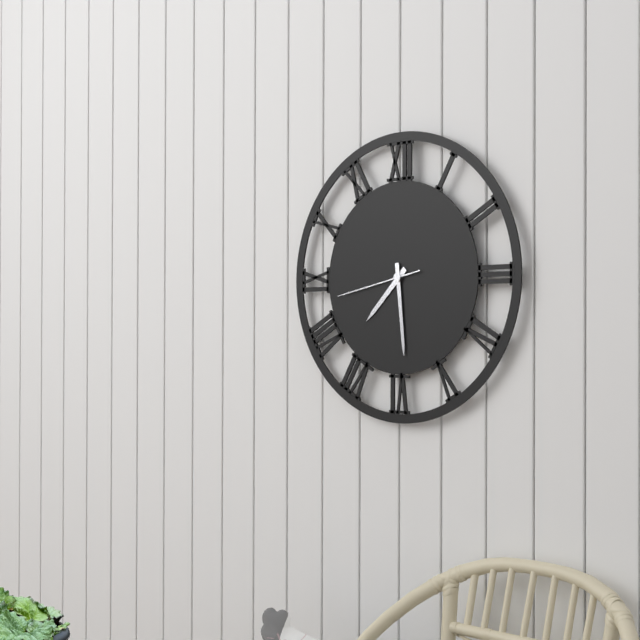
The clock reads 7,29,43
